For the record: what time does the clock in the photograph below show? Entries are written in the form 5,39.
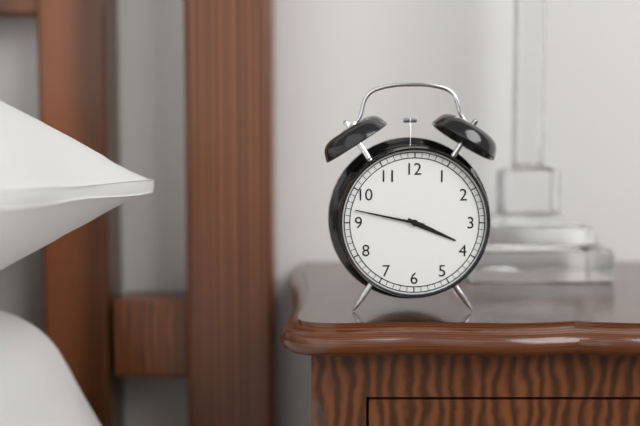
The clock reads 3,47
